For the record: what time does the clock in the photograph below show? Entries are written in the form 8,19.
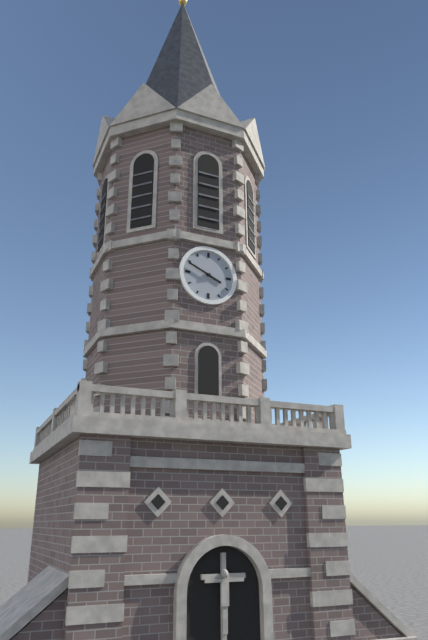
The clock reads 3,49
